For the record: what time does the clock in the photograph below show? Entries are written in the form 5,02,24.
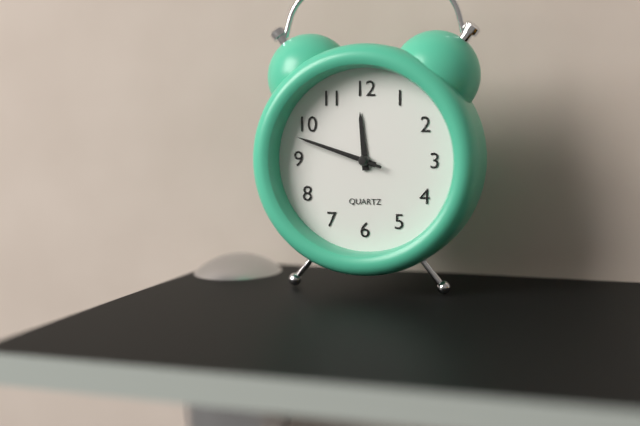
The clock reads 11,48,48
